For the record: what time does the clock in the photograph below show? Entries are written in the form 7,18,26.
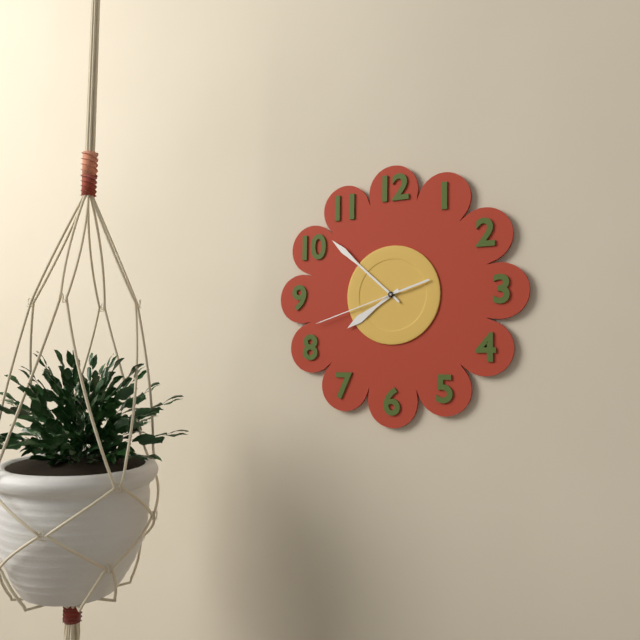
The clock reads 7,52,42
